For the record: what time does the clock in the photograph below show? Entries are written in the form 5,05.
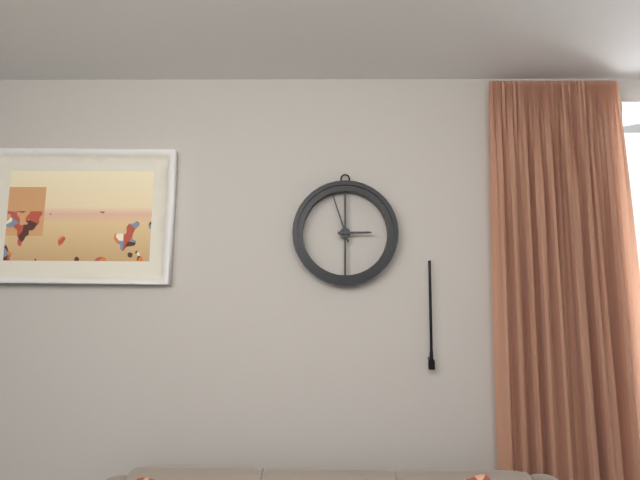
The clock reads 2,57
